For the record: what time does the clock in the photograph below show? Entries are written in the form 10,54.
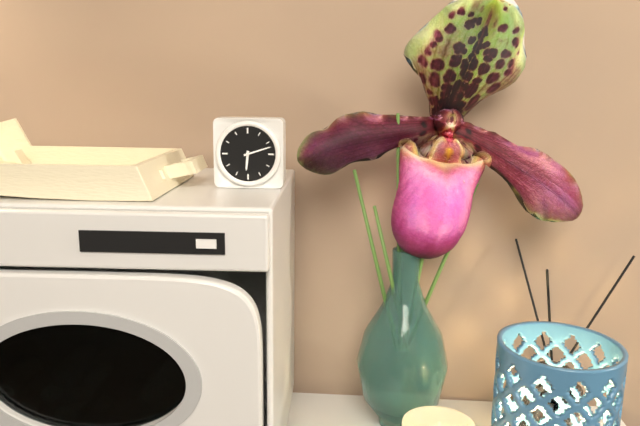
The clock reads 6,12
